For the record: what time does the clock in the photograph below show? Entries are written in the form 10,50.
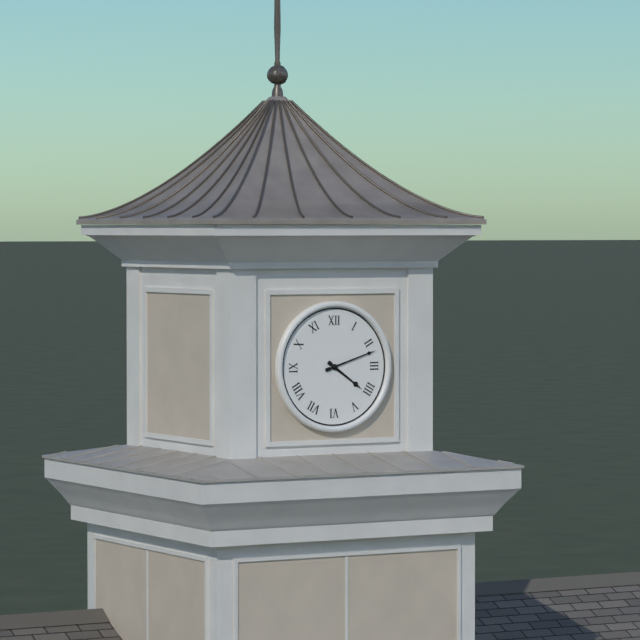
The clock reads 4,12
